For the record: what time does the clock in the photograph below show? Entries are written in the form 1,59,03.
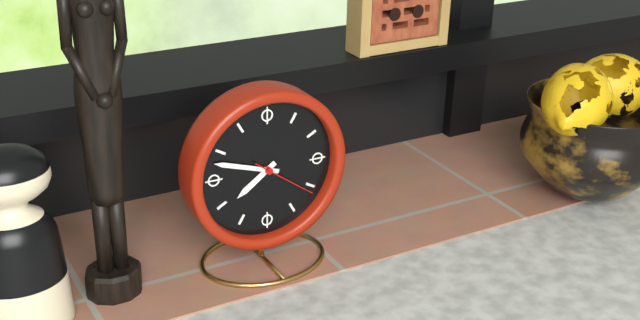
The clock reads 7,48,21
